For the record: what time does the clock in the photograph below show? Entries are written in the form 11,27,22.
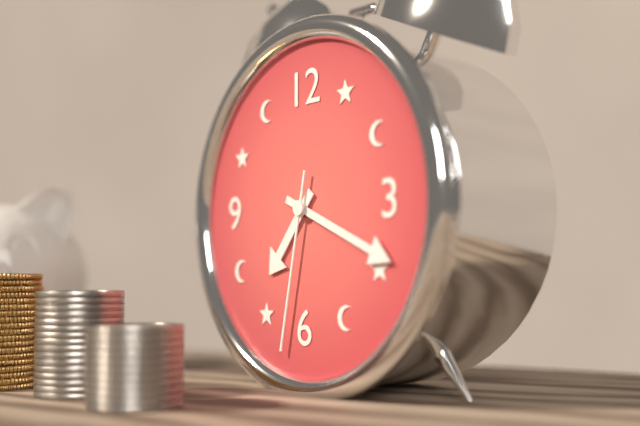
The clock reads 7,19,32
